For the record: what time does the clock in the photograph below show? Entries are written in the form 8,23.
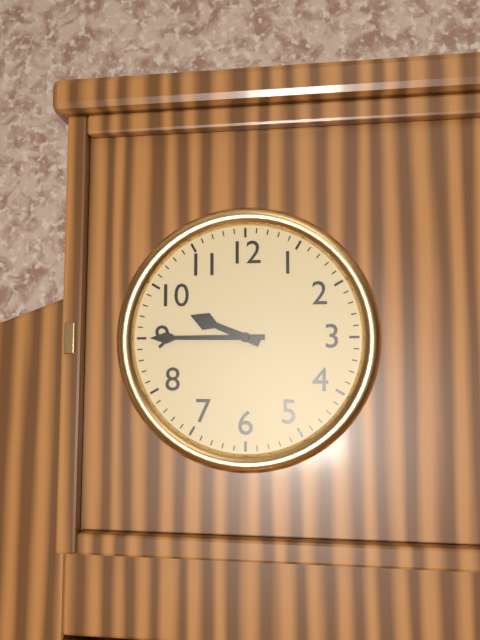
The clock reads 9,45
